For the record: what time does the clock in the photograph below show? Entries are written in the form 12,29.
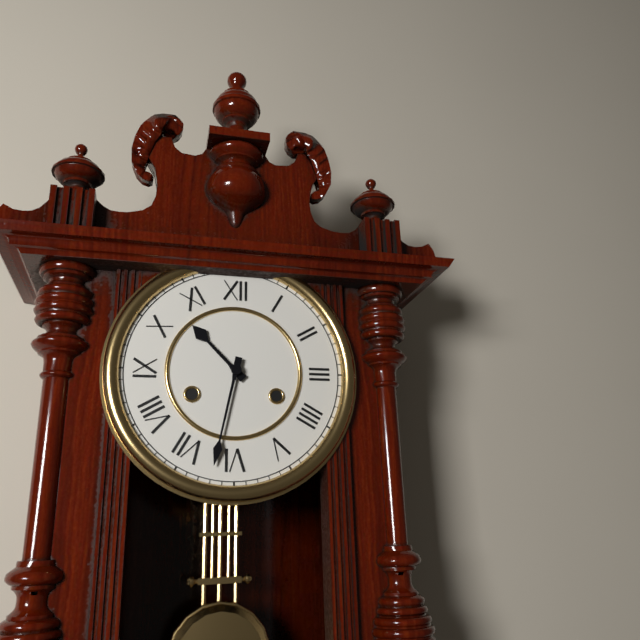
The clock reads 10,32
